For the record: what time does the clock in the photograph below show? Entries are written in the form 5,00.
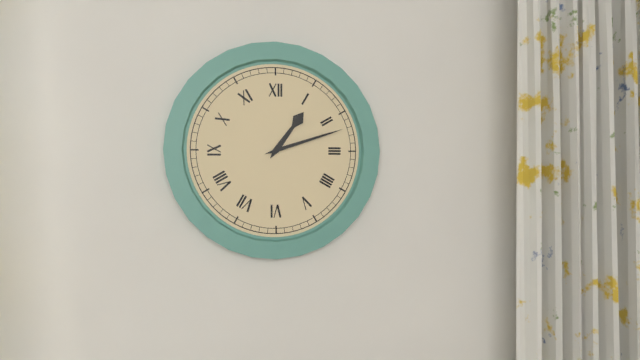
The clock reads 1,12
